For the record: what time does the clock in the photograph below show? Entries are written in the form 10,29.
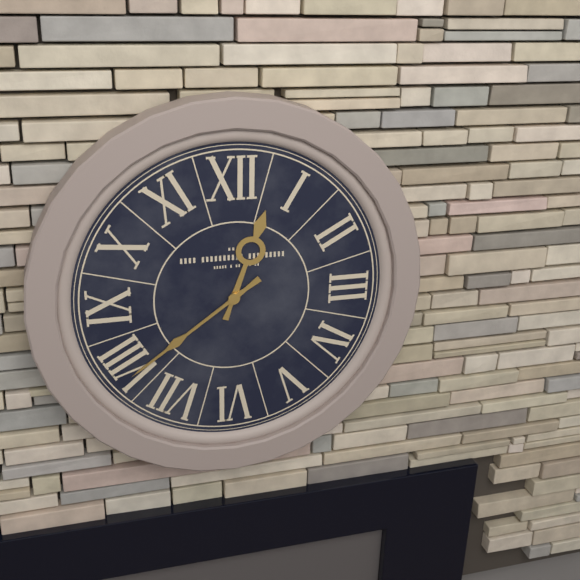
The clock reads 12,39
